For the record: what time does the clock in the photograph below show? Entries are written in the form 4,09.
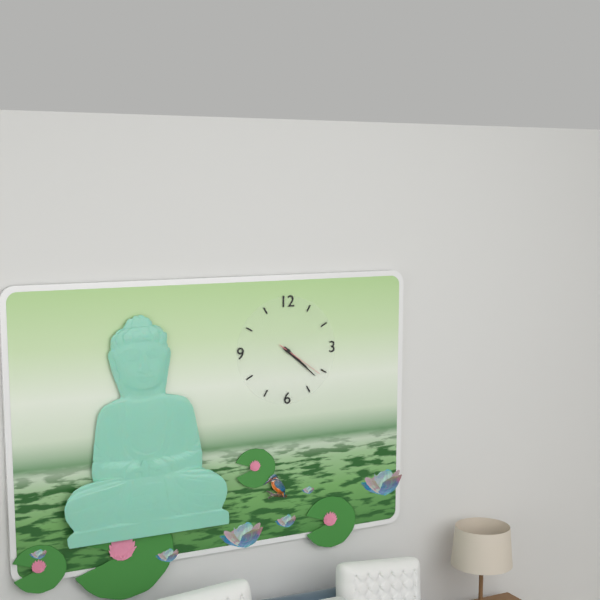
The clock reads 4,22
